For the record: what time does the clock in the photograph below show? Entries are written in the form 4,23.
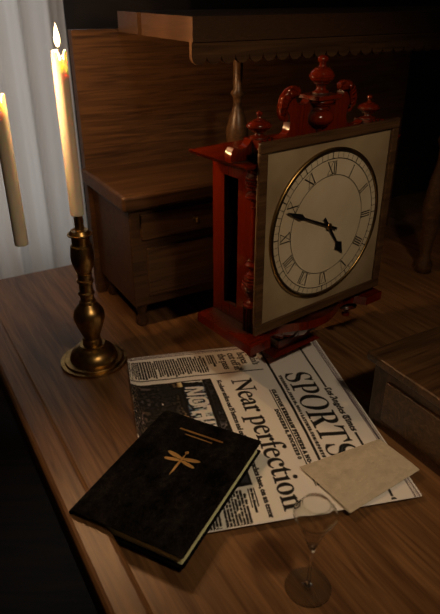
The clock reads 4,49
